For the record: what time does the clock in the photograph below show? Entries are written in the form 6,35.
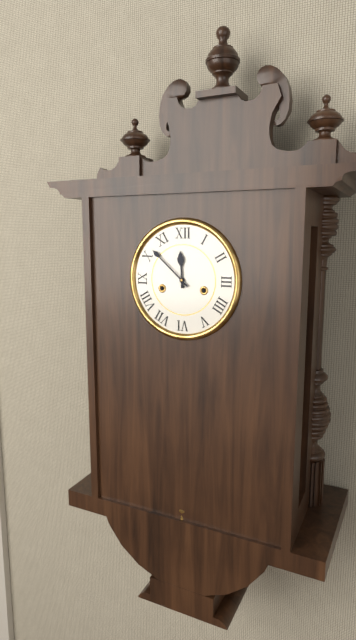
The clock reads 11,52
